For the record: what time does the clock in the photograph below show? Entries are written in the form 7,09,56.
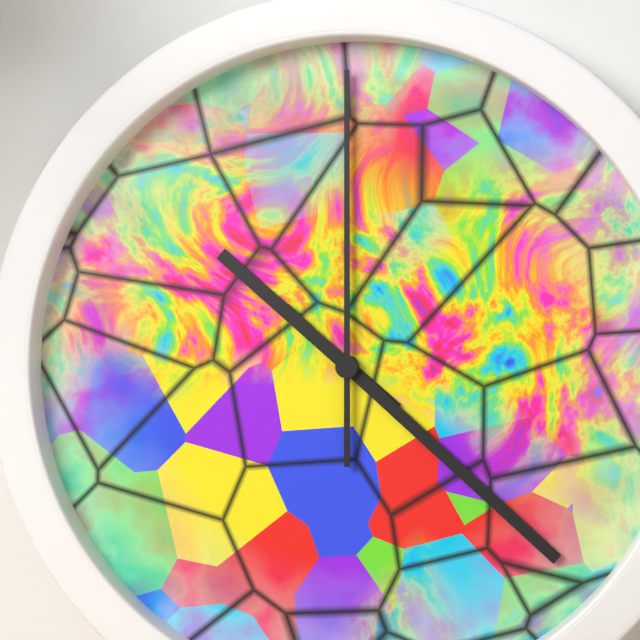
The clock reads 10,22,00
